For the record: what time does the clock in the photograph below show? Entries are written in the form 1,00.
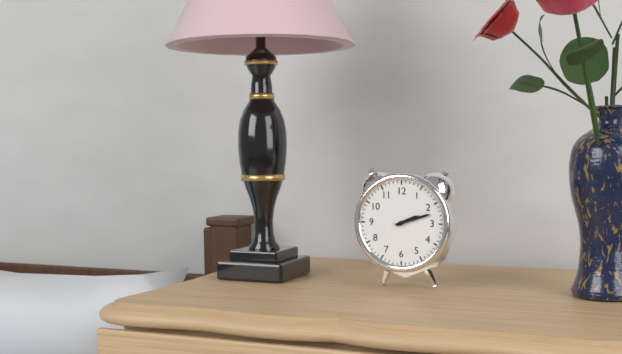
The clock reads 2,12
